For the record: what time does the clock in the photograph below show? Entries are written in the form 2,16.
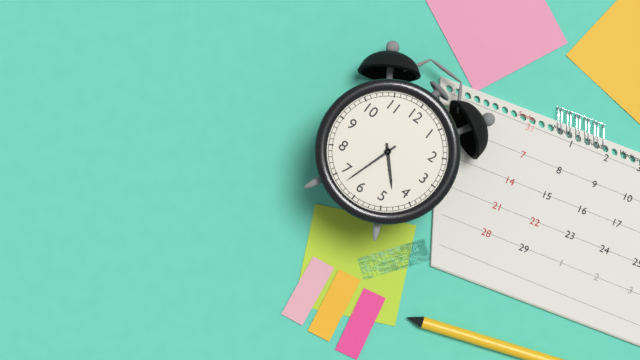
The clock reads 4,33
